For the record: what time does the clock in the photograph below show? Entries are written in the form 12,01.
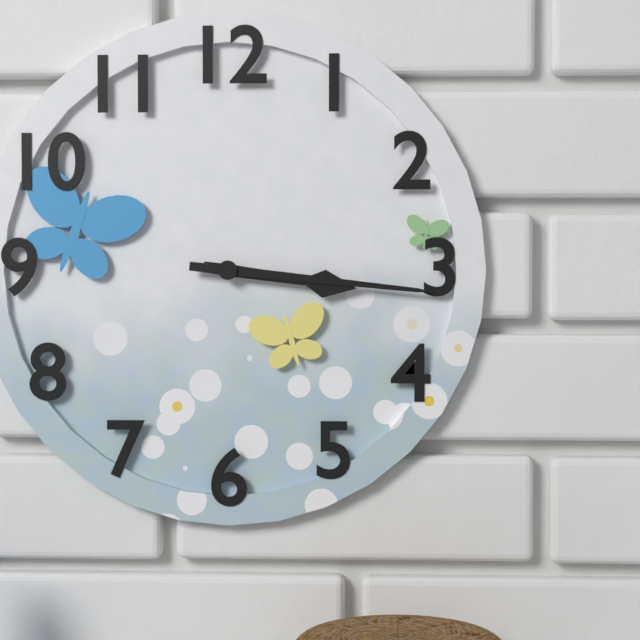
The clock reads 3,16
